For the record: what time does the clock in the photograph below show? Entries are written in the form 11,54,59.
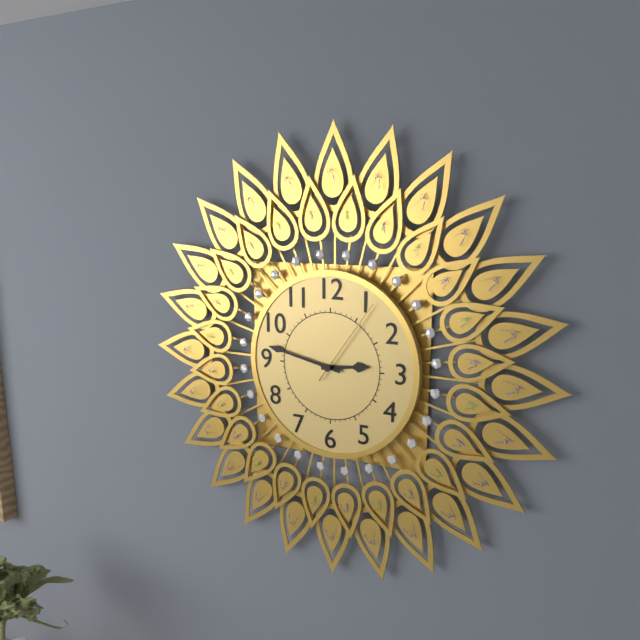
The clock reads 2,47,06
